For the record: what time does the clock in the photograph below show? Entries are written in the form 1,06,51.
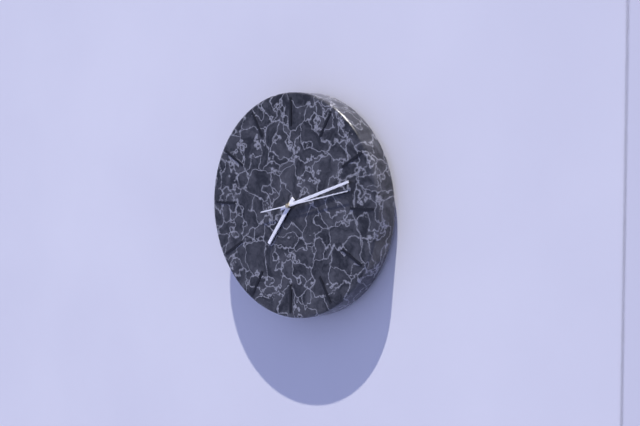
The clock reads 7,12,13
